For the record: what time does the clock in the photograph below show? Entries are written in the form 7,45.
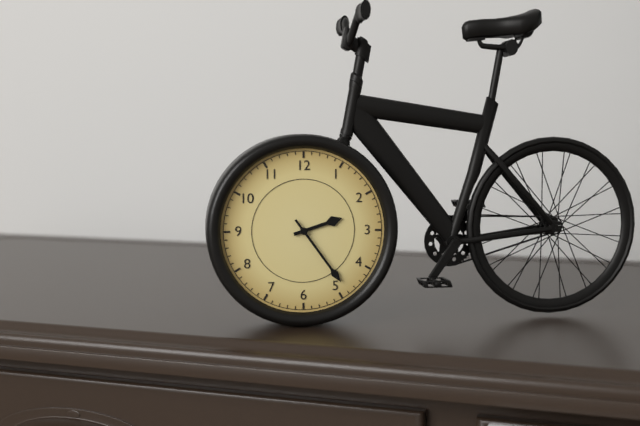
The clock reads 2,24
